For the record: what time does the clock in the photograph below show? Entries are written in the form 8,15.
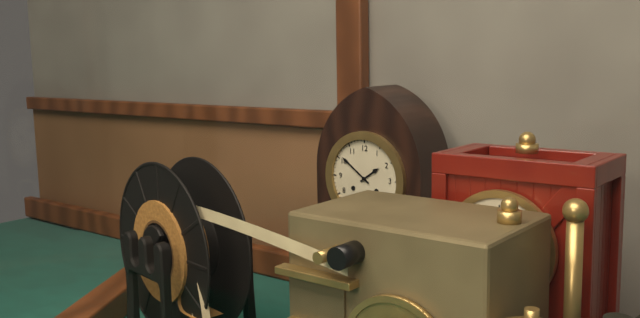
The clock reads 1,51
